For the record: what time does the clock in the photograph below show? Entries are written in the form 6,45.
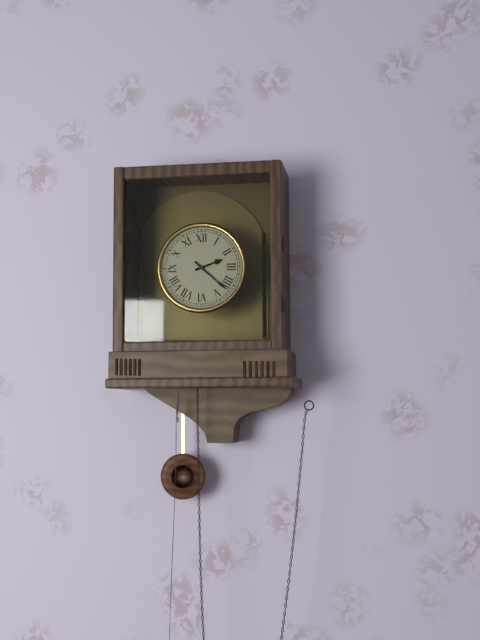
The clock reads 2,22
